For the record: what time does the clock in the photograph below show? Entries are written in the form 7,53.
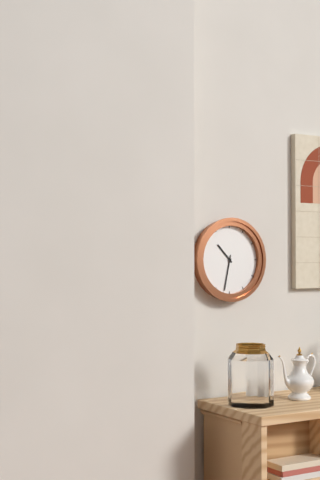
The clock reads 10,32
